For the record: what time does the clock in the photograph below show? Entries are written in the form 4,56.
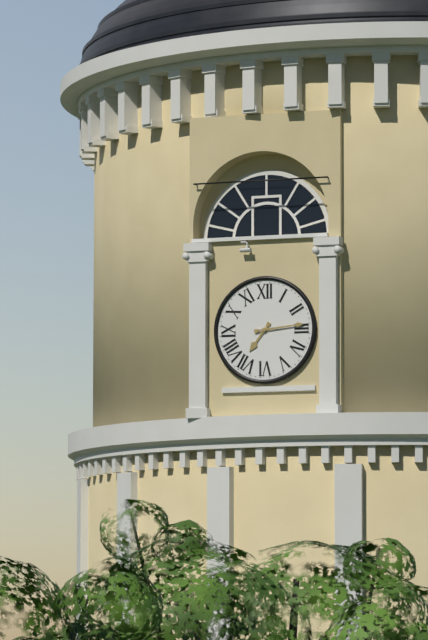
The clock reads 7,14
